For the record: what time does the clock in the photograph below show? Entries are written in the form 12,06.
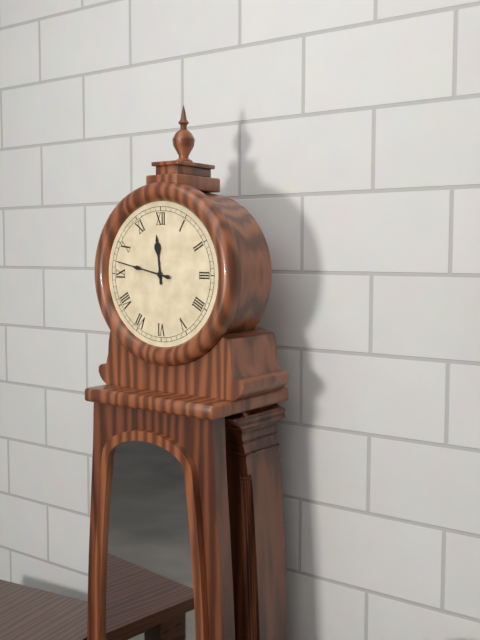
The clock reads 11,47
